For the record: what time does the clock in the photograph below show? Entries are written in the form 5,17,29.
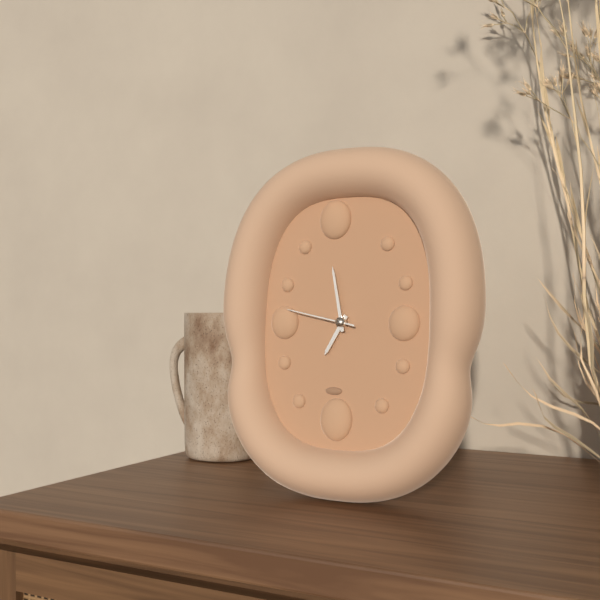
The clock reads 6,58,47
